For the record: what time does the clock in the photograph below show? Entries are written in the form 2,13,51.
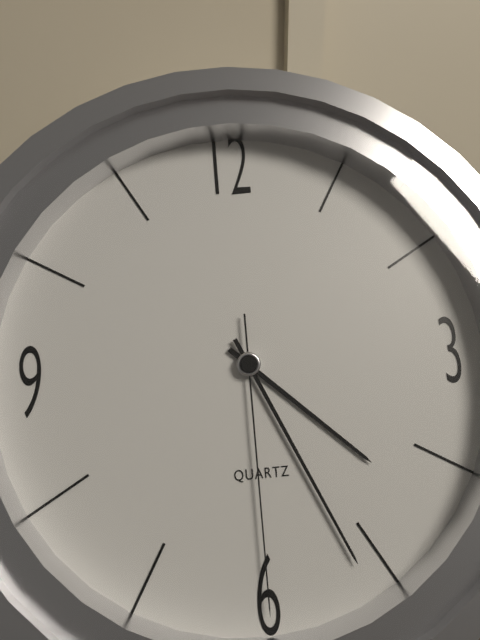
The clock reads 4,26,30
